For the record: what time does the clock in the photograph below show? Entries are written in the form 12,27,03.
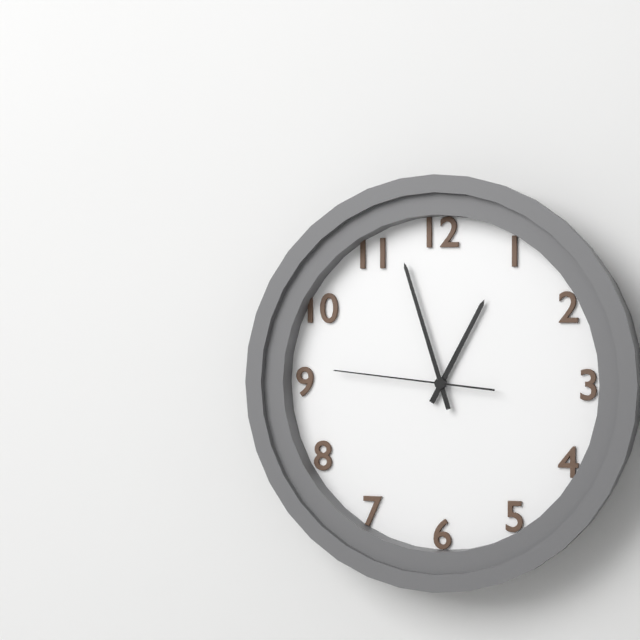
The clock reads 12,57,46
